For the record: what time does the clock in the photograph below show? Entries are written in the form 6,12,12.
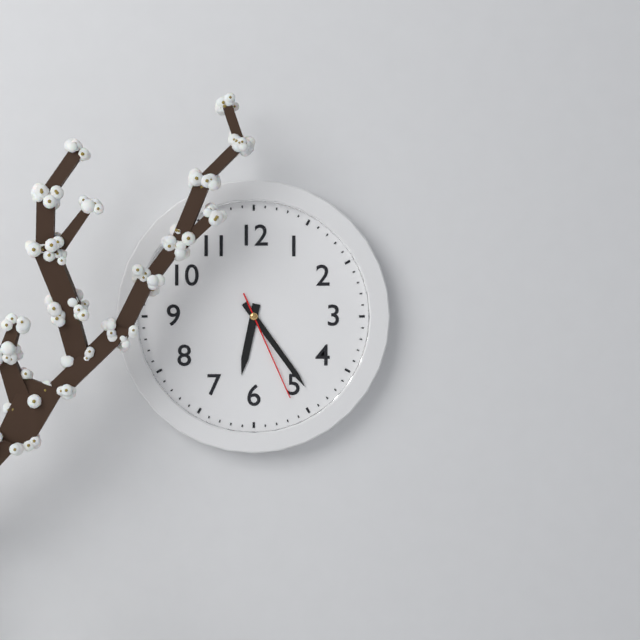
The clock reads 6,24,26
